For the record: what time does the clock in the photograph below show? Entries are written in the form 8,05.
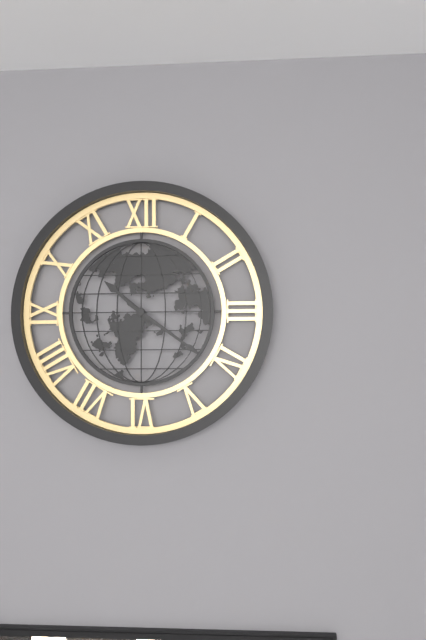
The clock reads 10,21
